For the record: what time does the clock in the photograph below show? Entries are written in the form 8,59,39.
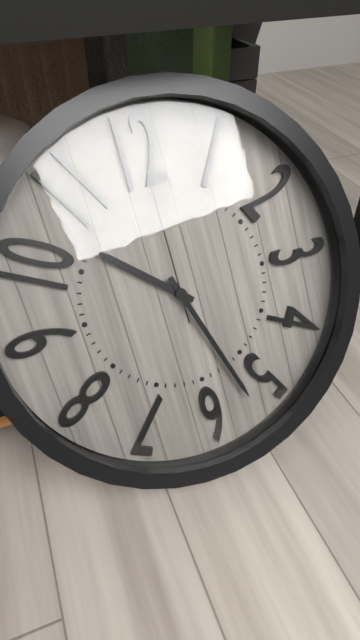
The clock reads 10,27,00
